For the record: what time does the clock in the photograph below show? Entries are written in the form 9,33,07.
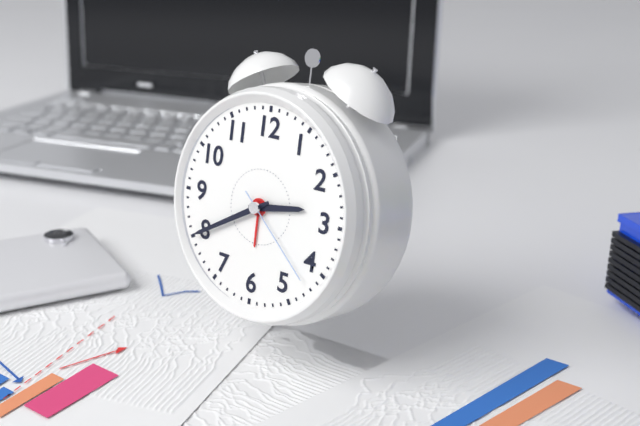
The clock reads 2,40,22
